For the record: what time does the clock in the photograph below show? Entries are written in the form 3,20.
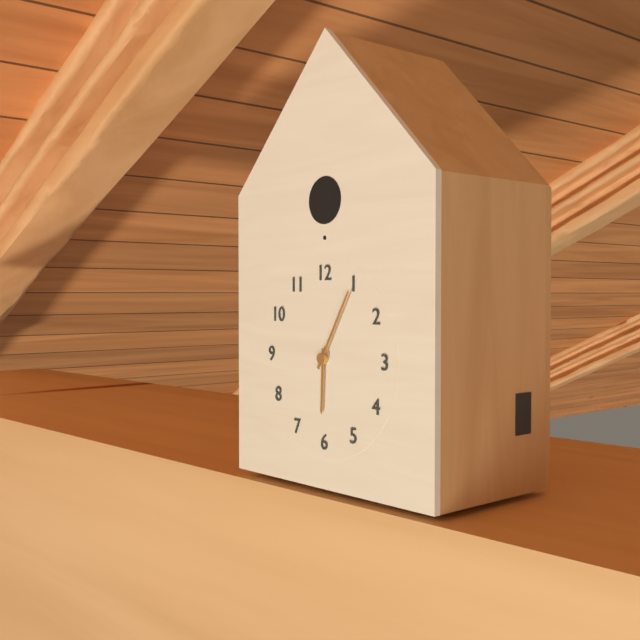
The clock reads 6,05
